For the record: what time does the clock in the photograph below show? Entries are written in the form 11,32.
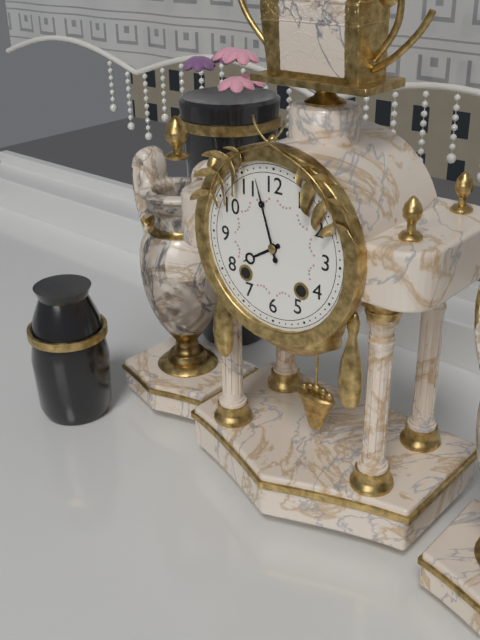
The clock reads 7,57
